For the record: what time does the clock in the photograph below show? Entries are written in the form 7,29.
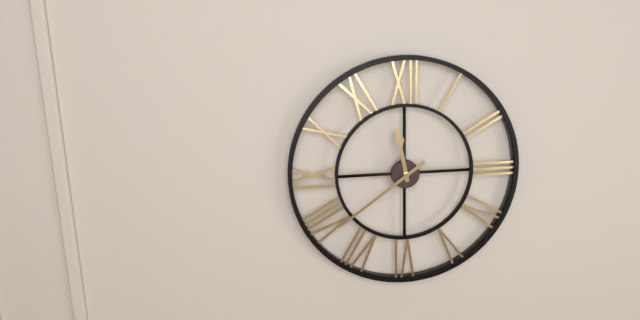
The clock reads 11,39
